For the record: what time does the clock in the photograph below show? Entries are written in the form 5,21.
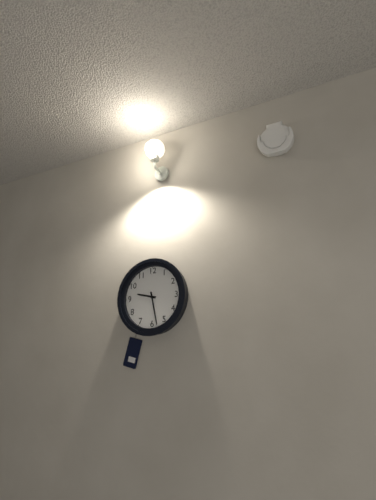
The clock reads 9,28
